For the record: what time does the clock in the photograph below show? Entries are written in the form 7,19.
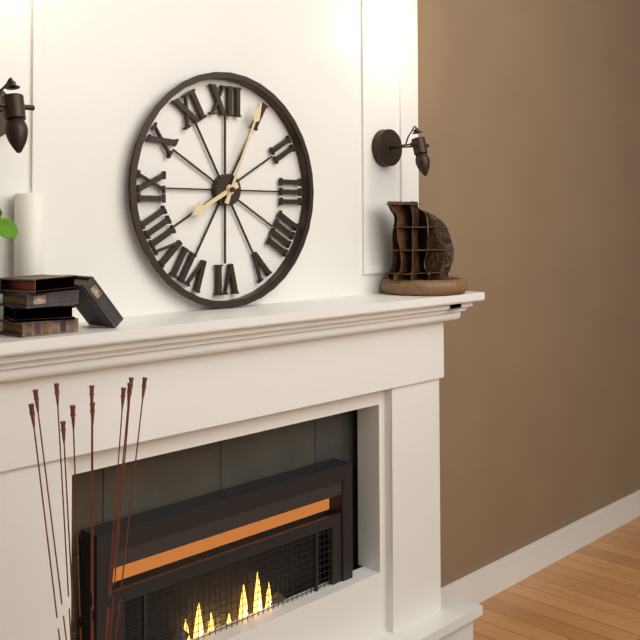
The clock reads 8,04
